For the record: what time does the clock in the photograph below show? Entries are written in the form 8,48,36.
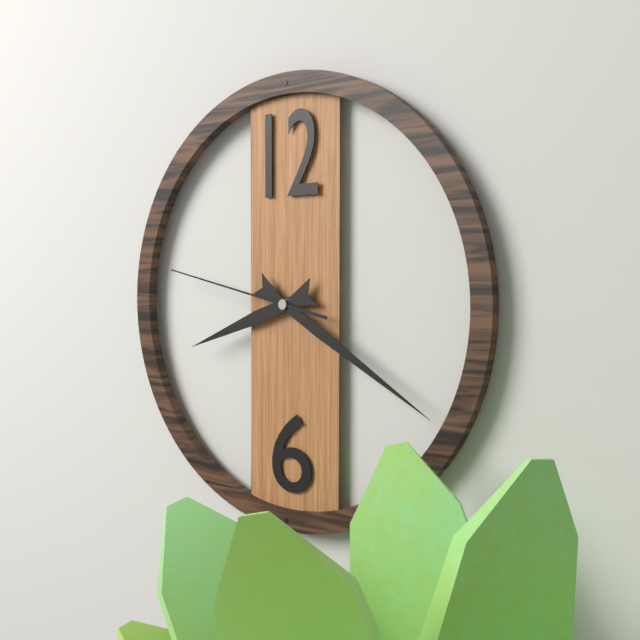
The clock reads 8,20,47
